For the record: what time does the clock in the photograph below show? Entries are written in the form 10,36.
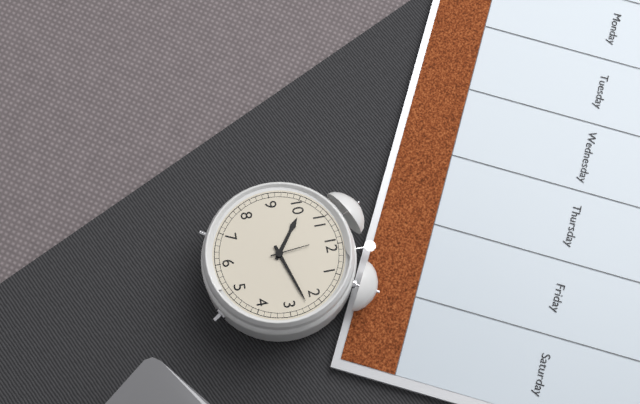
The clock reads 10,12
